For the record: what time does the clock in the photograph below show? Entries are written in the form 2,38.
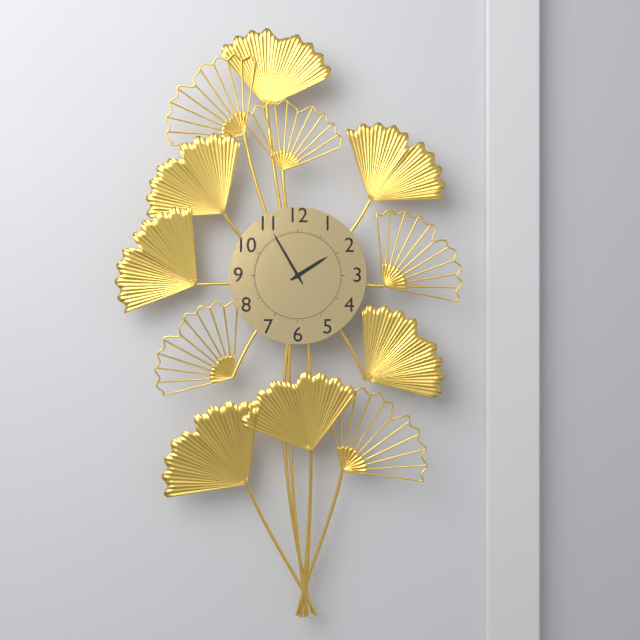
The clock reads 1,55
